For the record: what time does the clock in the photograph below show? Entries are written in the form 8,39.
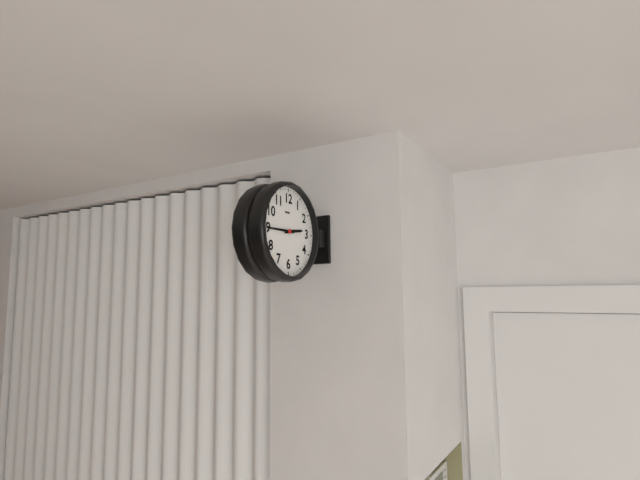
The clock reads 2,45
